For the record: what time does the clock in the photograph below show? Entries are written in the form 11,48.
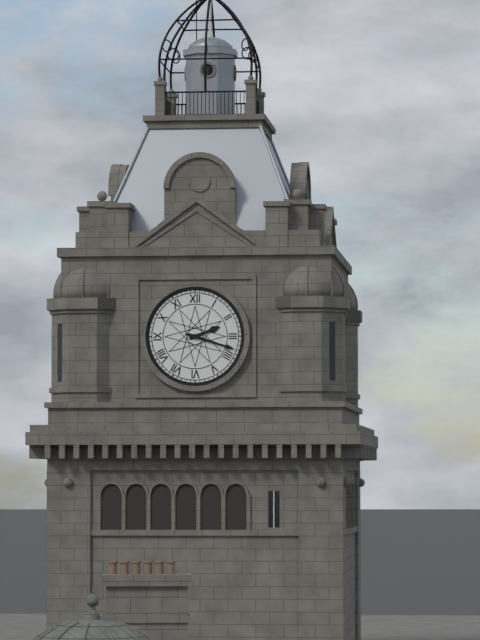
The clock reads 2,18
